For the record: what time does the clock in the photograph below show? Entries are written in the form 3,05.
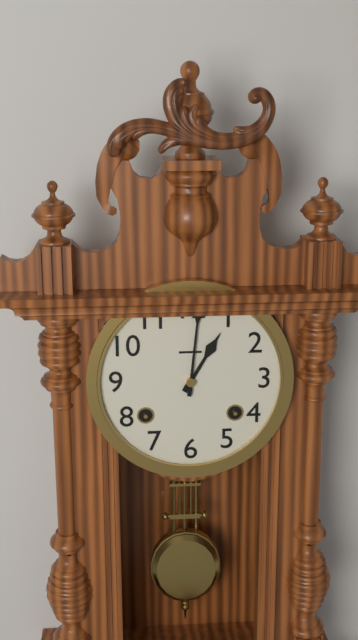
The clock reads 1,01
